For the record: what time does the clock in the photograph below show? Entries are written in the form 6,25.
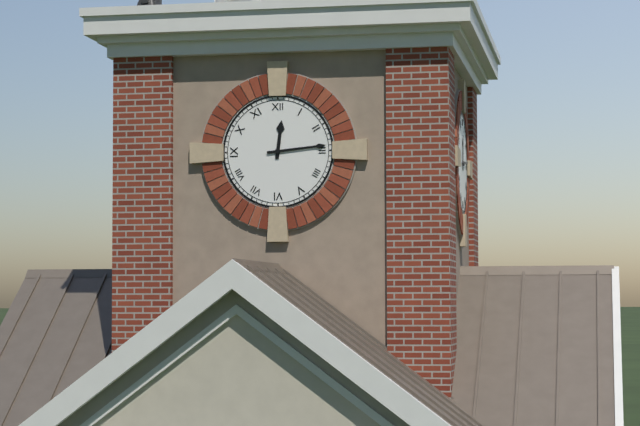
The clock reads 12,14
